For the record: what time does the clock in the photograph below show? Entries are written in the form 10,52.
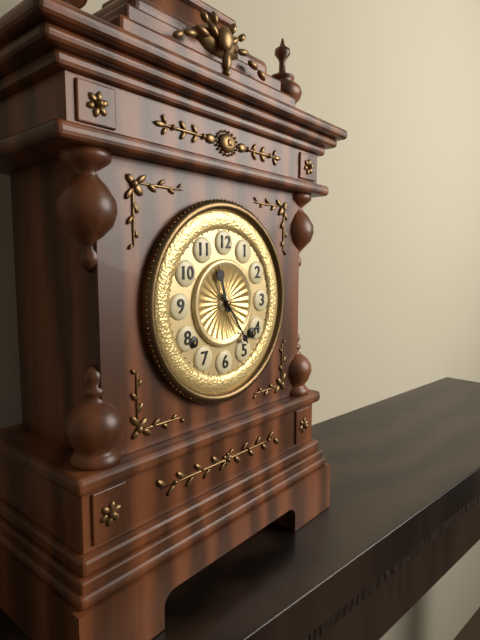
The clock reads 11,24
